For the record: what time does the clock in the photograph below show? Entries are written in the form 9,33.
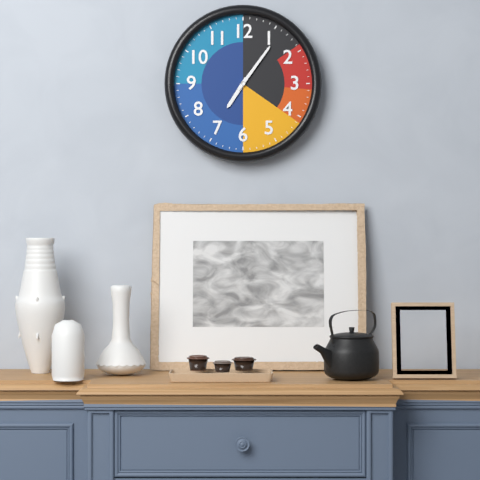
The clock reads 7,06
